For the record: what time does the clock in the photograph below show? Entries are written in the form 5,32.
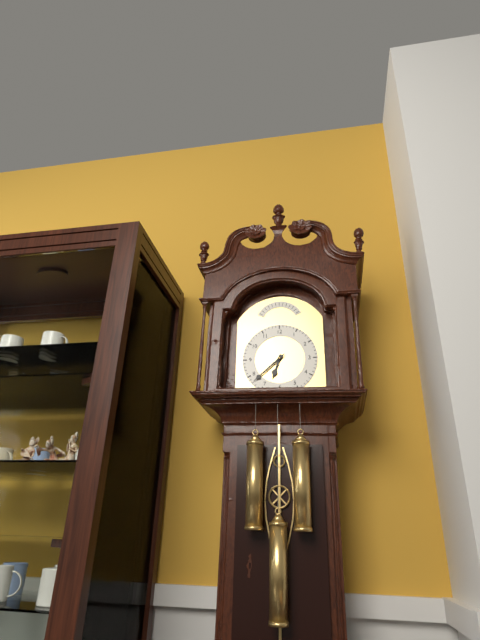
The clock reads 6,38
